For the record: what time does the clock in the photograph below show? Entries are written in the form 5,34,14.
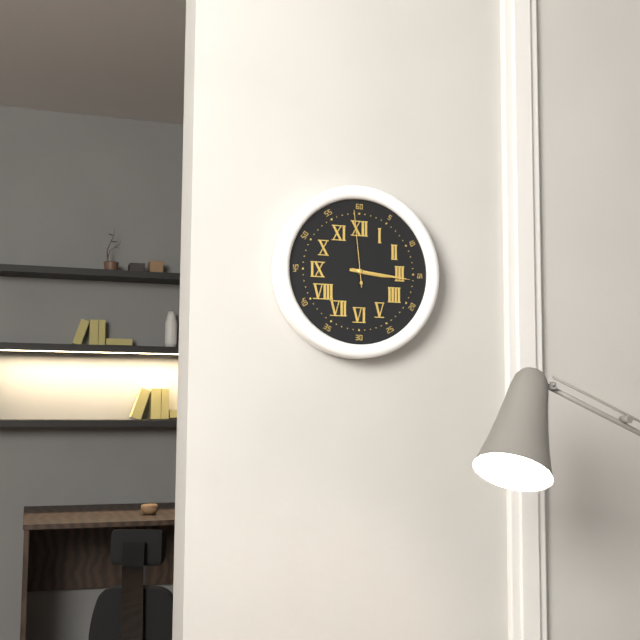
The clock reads 3,16,59
